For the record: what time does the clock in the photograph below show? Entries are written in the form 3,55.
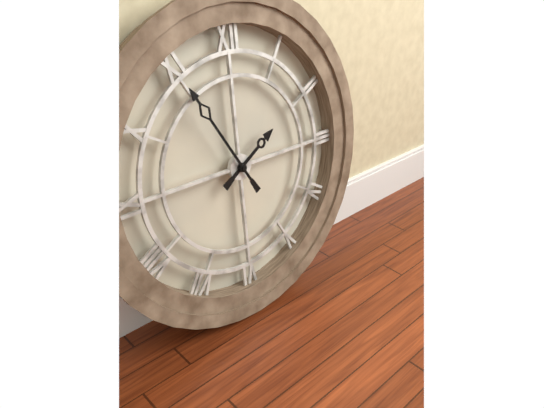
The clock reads 1,55
